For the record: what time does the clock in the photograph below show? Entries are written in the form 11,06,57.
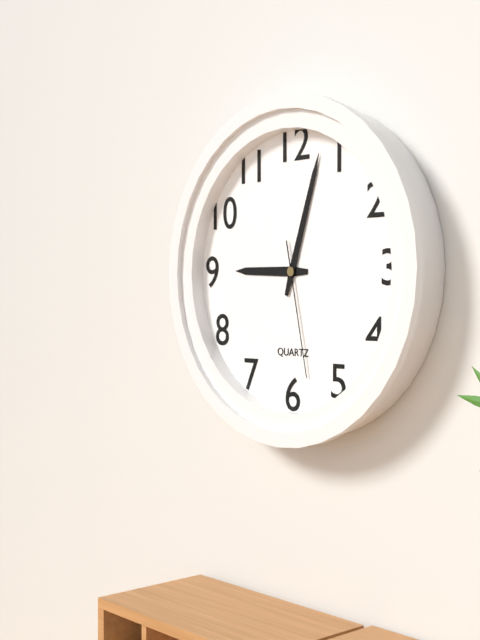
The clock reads 9,03,28
